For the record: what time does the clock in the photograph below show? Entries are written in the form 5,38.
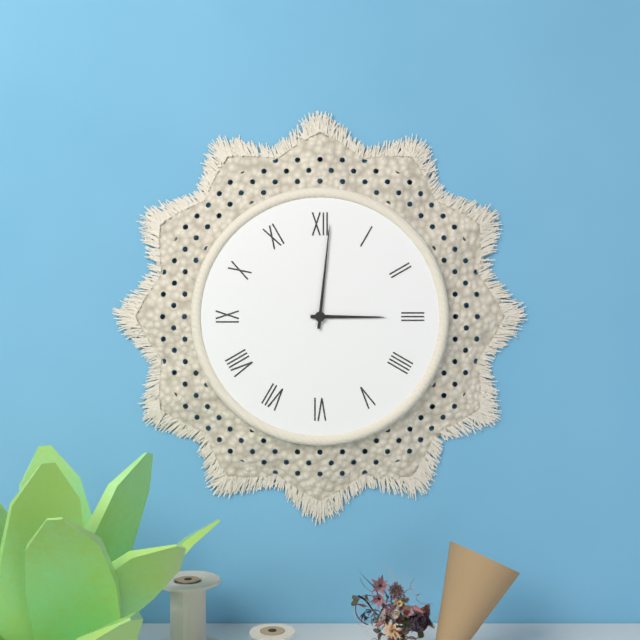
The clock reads 3,01
